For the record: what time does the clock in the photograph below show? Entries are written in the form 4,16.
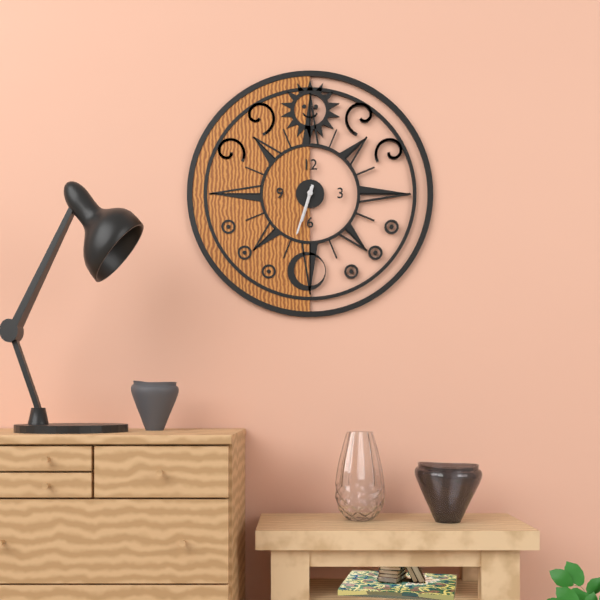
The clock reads 6,33
